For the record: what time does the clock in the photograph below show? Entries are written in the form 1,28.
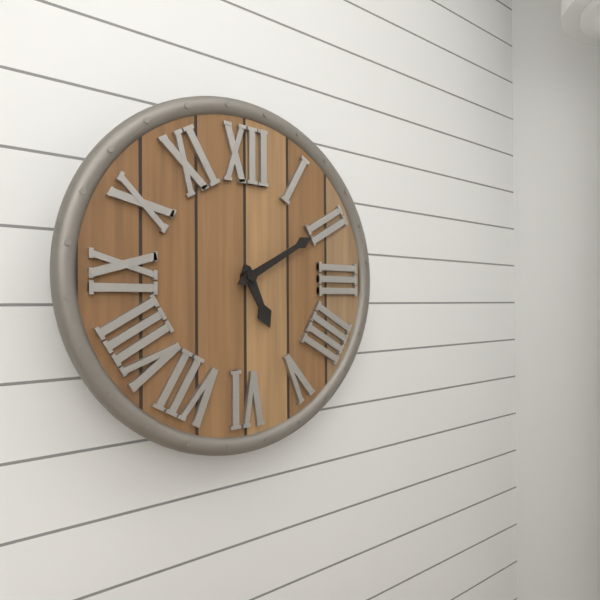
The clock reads 5,10
